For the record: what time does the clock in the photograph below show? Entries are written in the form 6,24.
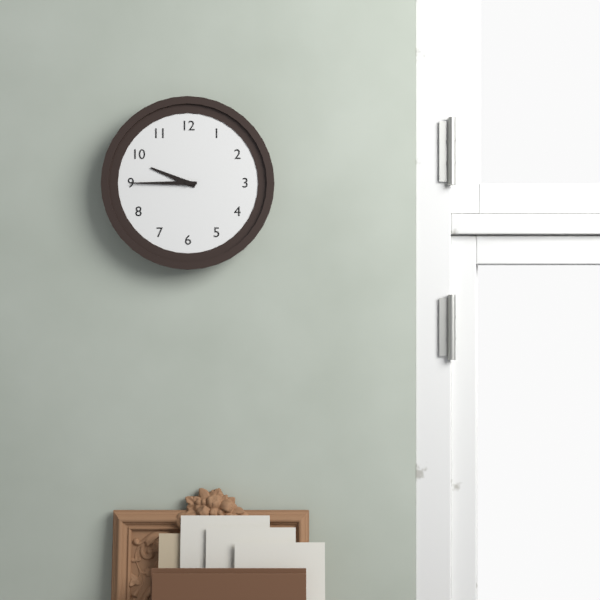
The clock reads 9,45
